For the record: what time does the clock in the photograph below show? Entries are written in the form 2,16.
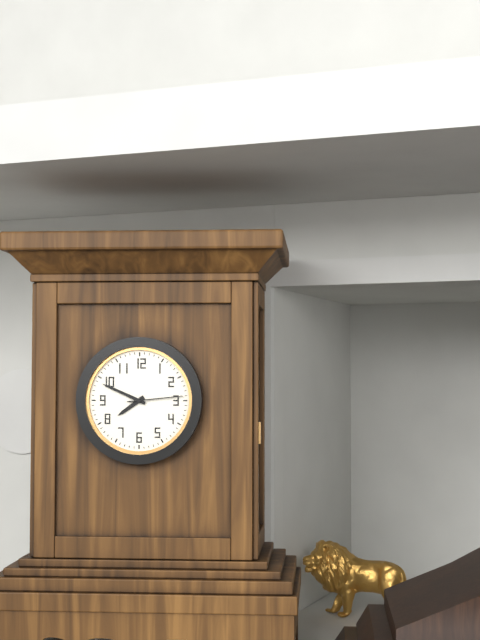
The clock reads 7,49
